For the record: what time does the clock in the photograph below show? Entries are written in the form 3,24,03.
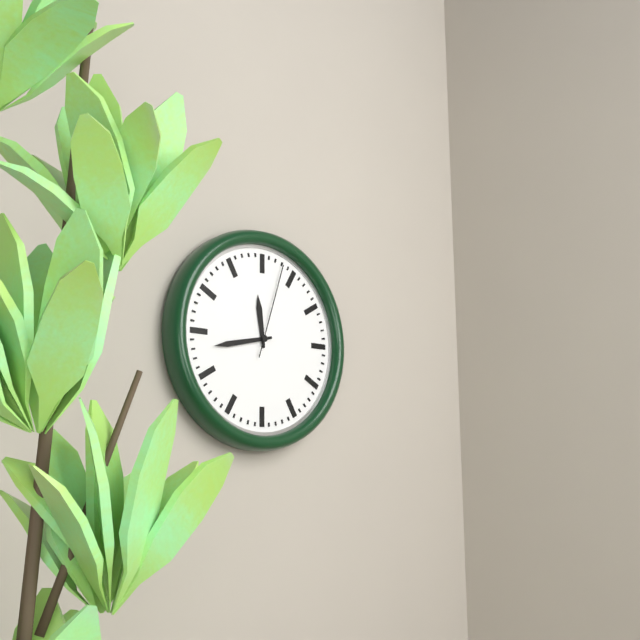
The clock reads 11,43,03
